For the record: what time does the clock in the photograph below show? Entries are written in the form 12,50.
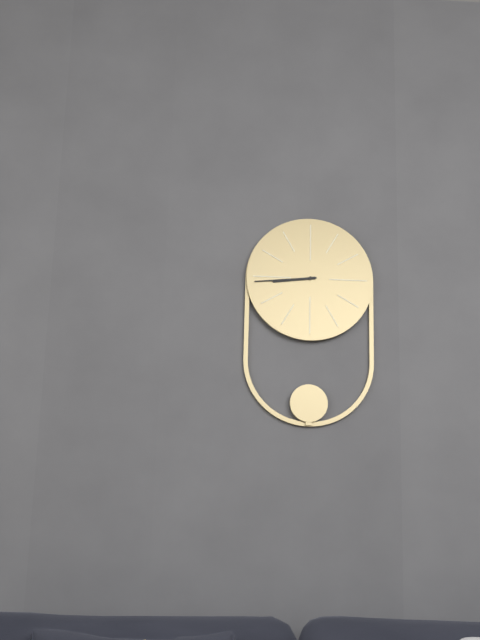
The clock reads 8,44
